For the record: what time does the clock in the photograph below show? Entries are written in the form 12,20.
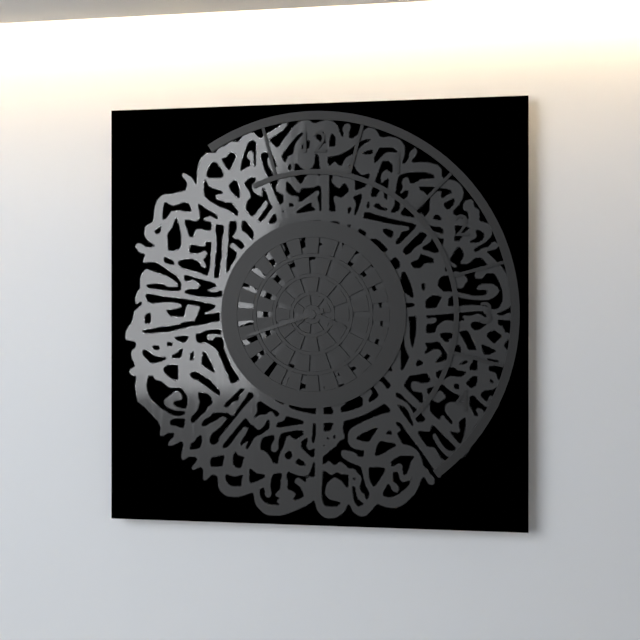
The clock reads 3,42
